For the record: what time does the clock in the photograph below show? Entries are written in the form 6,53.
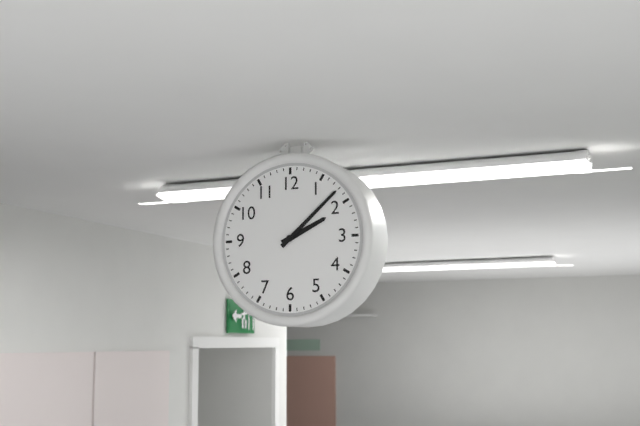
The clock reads 2,08
